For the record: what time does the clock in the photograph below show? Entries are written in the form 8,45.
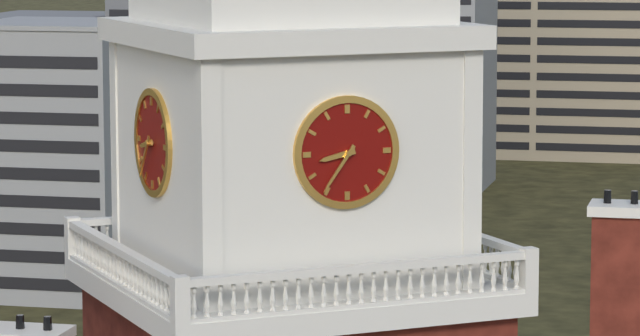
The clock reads 8,36
